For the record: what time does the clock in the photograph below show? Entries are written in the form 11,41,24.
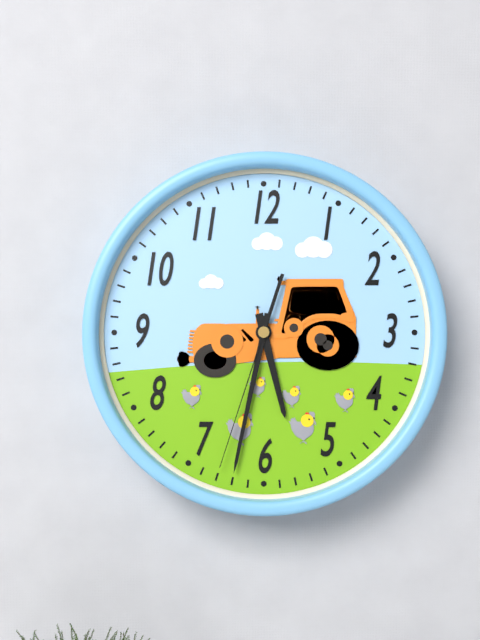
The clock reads 5,32,33
